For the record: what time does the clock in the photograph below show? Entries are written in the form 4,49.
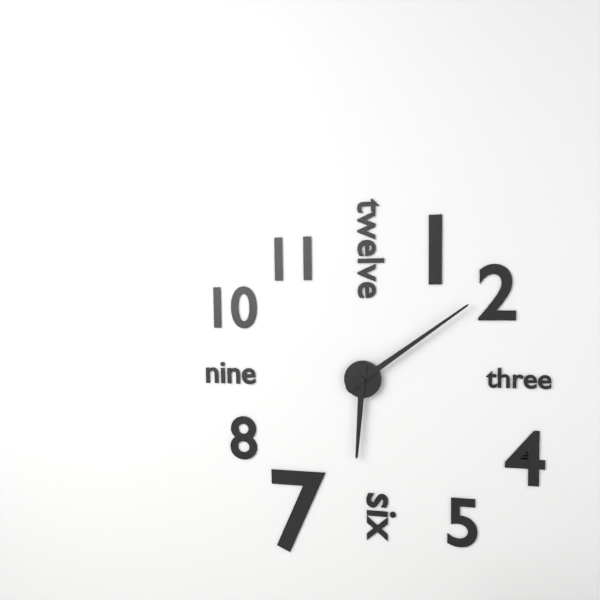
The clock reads 6,09
